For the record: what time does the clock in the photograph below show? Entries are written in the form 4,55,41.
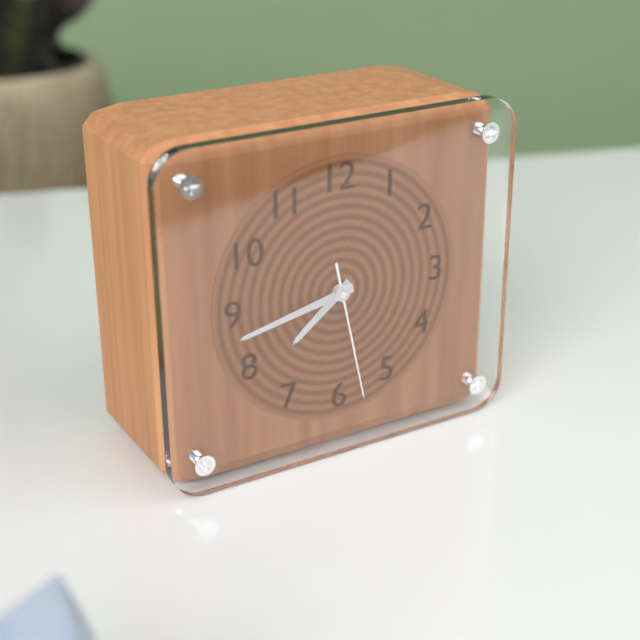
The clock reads 7,43,28
